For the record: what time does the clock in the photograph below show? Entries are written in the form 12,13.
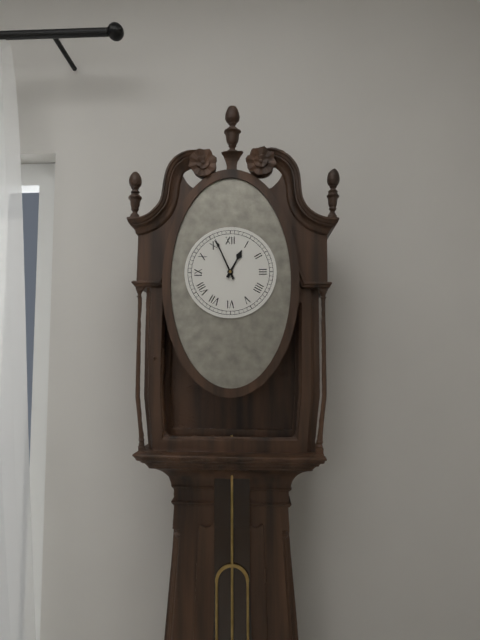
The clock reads 12,56
